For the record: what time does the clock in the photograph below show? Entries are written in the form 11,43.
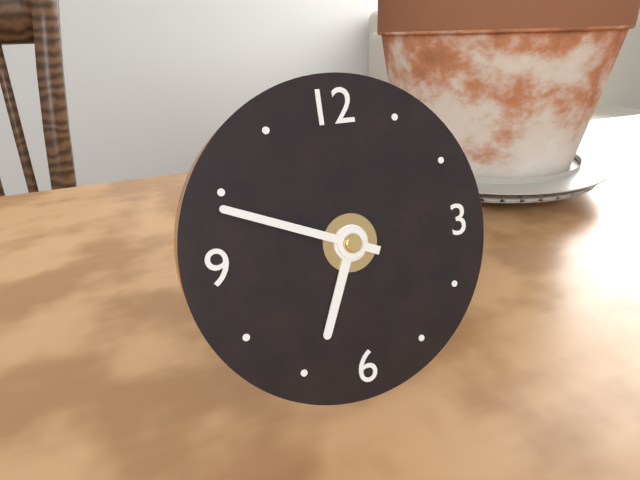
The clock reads 6,49
